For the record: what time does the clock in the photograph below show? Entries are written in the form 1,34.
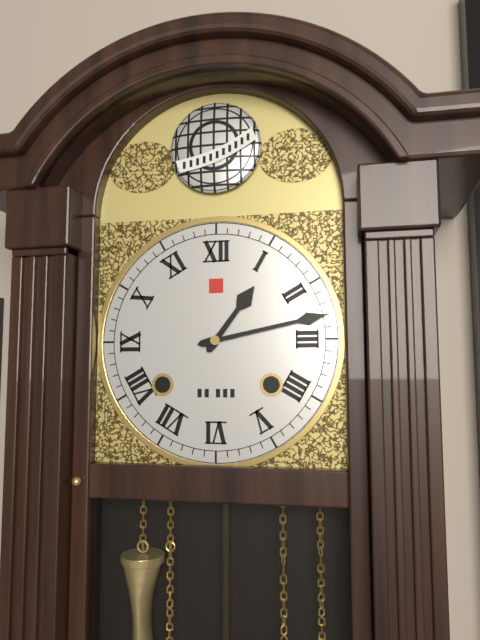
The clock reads 1,13
